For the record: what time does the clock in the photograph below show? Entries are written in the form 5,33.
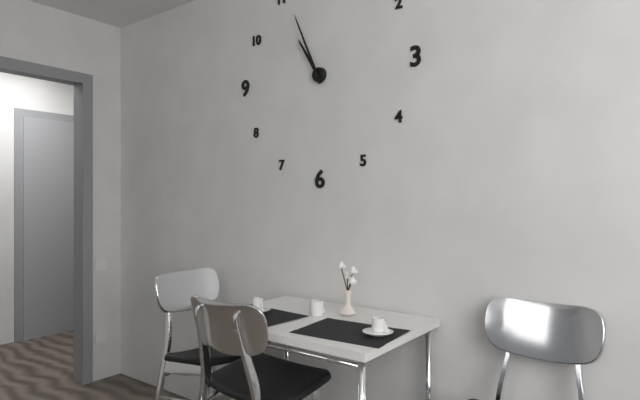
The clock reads 10,56
